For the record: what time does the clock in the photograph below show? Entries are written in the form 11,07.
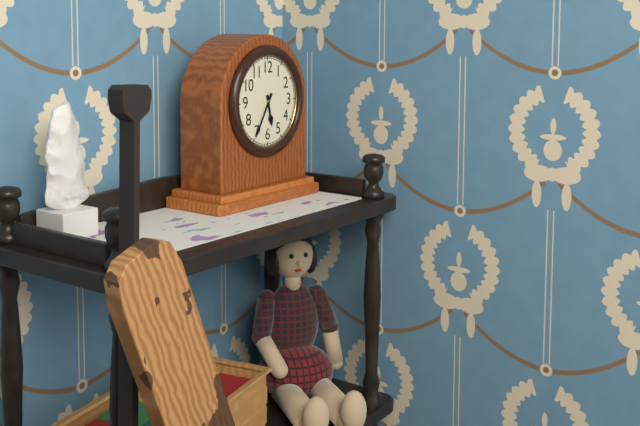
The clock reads 5,35
